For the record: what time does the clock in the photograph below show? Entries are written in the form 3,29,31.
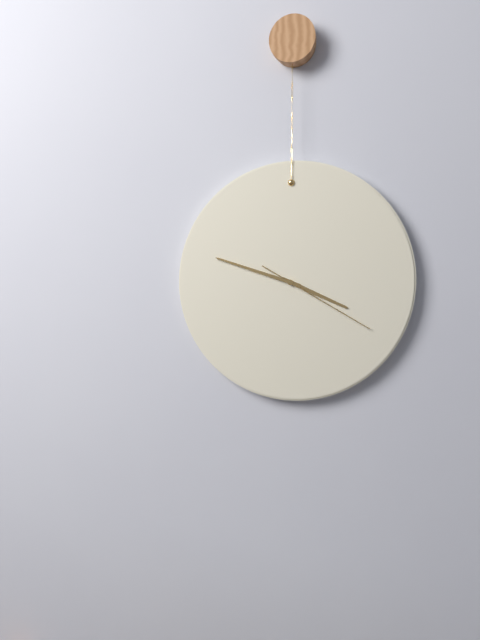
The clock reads 3,48,20
